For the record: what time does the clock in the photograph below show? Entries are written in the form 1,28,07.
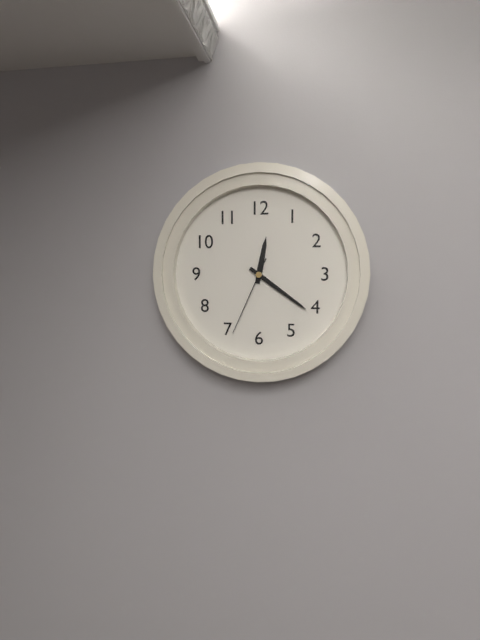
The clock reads 12,21,34
